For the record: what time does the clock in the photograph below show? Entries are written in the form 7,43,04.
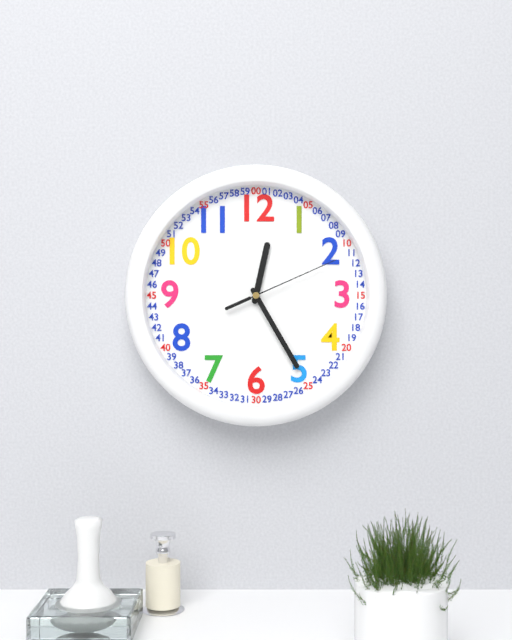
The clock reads 12,25,11
